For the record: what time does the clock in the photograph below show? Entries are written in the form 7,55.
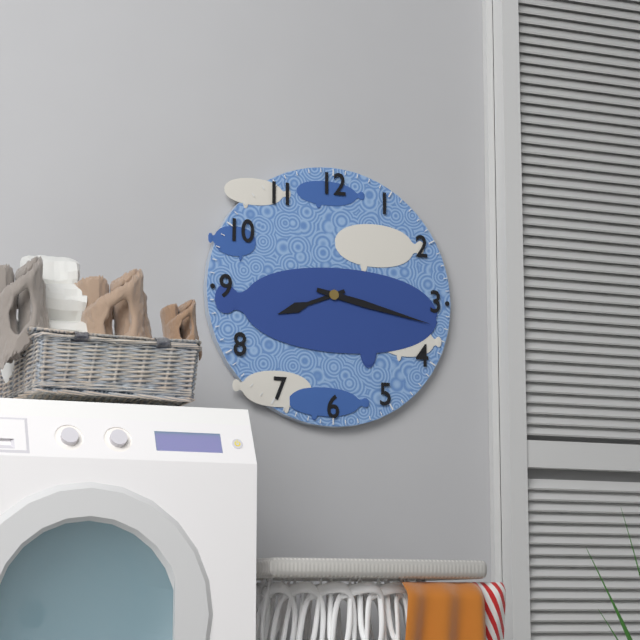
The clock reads 8,17
